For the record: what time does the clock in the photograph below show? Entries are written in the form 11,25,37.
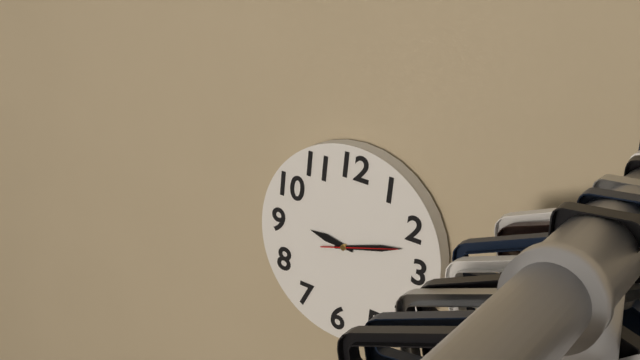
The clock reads 9,12,12
